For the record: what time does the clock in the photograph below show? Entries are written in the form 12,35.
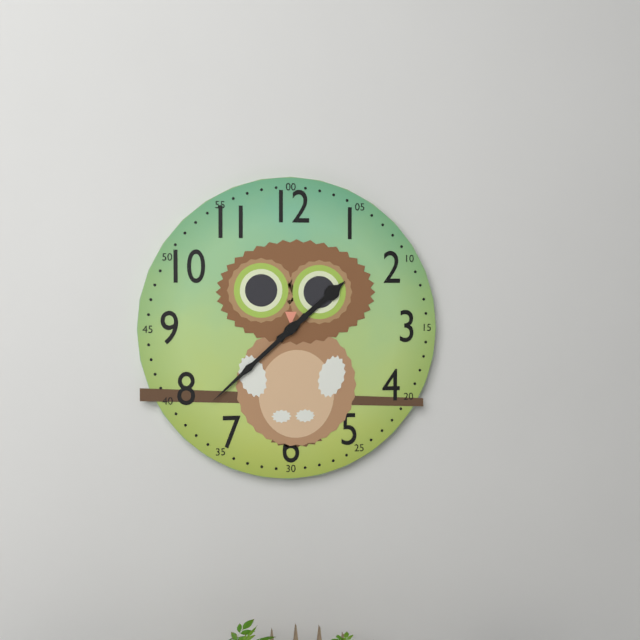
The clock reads 1,38
